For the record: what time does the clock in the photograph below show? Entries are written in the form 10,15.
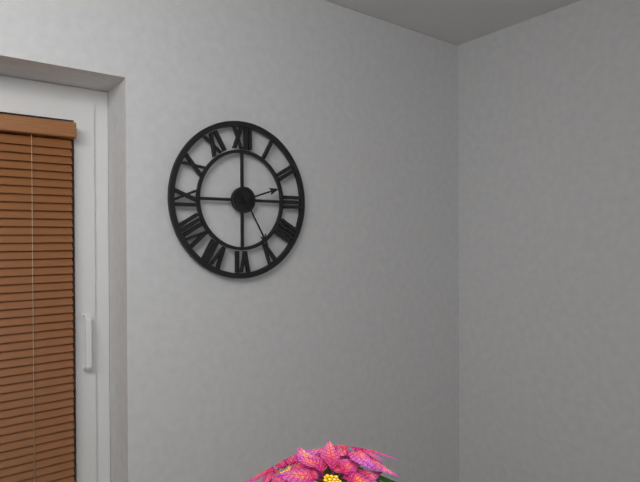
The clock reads 2,25
